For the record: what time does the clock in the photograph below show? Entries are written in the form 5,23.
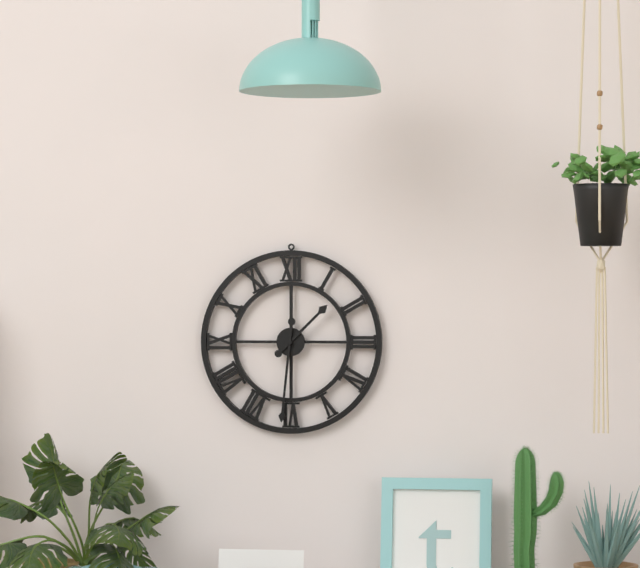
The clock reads 1,31
